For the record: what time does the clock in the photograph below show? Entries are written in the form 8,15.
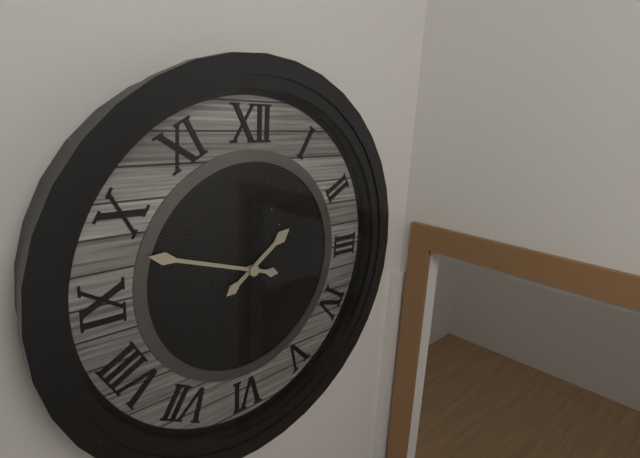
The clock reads 1,48
